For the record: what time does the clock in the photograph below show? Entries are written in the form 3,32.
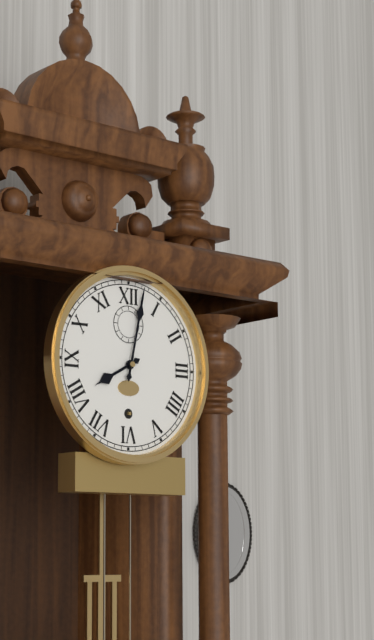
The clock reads 8,02
